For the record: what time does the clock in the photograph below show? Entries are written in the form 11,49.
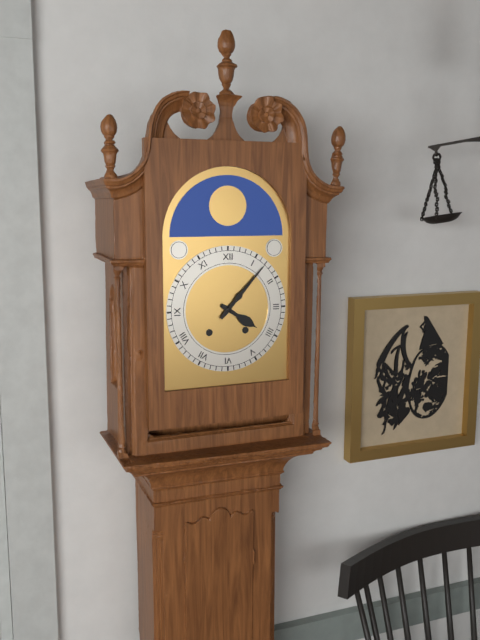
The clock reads 4,07
